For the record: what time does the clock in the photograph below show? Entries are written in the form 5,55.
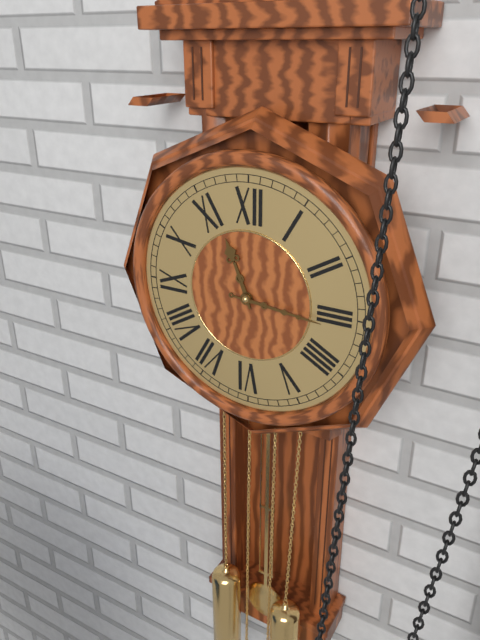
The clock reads 11,16
